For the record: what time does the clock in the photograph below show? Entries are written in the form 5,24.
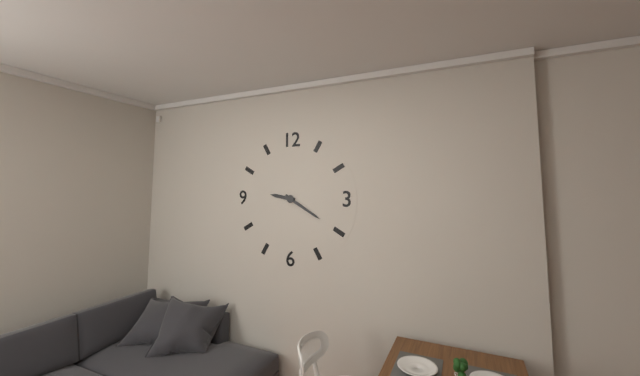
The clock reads 9,20
